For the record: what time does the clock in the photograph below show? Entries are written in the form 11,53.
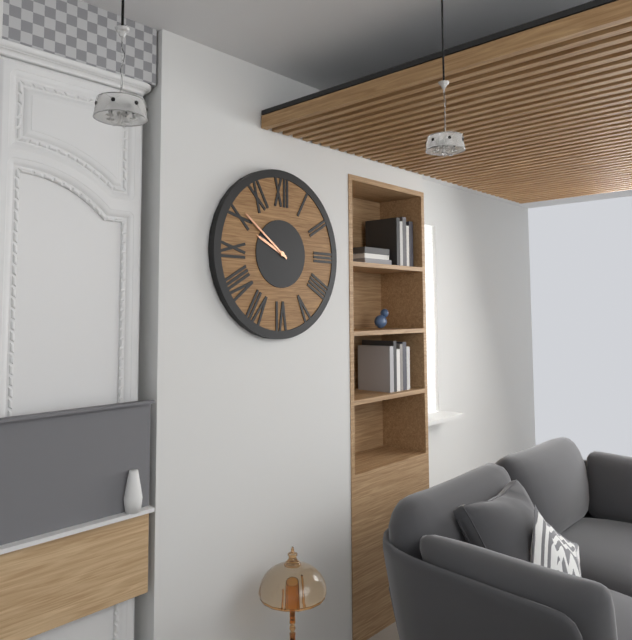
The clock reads 9,51
